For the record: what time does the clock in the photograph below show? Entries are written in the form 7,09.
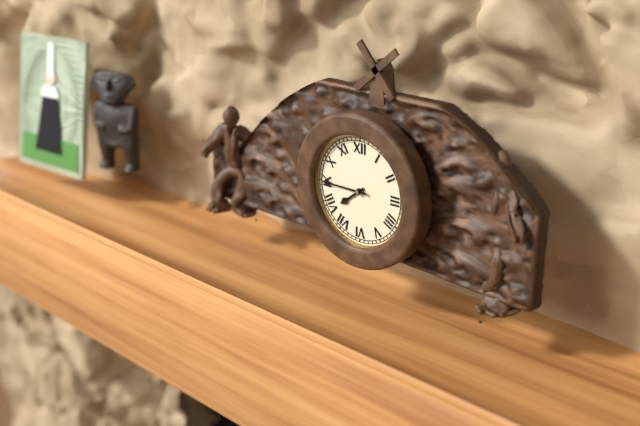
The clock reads 7,45
